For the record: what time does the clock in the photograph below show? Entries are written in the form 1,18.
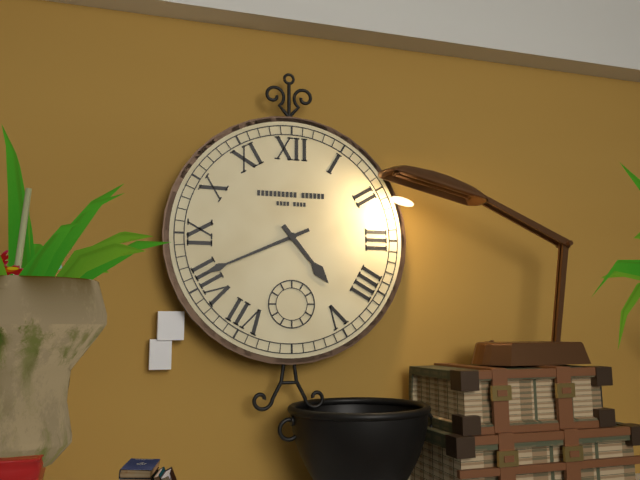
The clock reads 4,41
